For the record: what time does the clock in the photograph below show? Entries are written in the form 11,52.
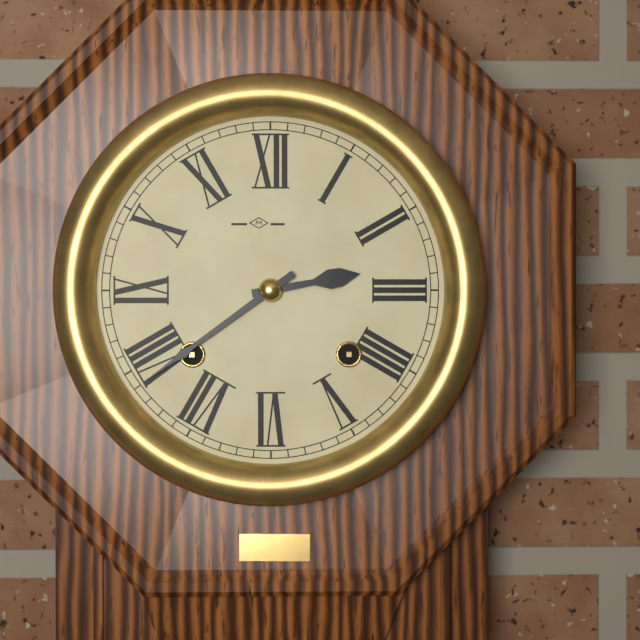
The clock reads 2,39
